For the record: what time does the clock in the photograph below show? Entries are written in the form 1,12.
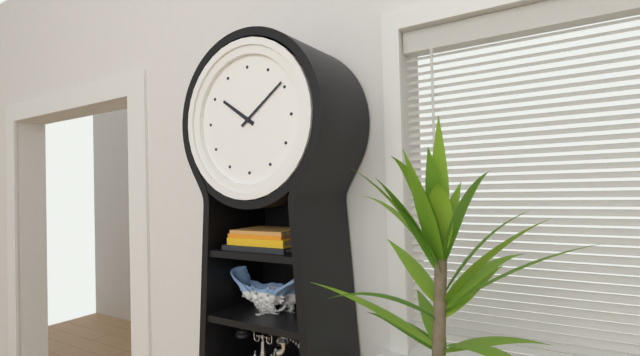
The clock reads 10,09
